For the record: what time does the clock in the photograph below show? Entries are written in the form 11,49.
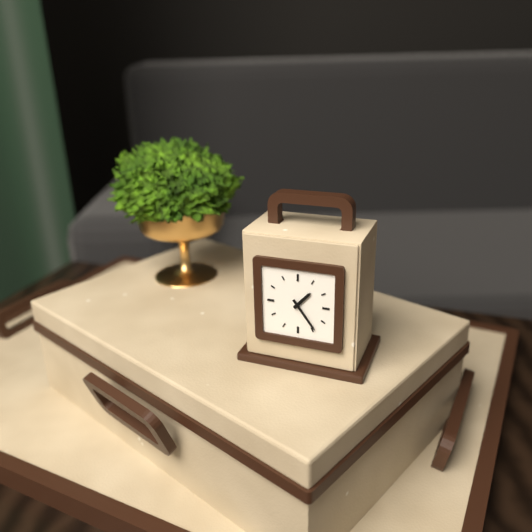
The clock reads 1,24
